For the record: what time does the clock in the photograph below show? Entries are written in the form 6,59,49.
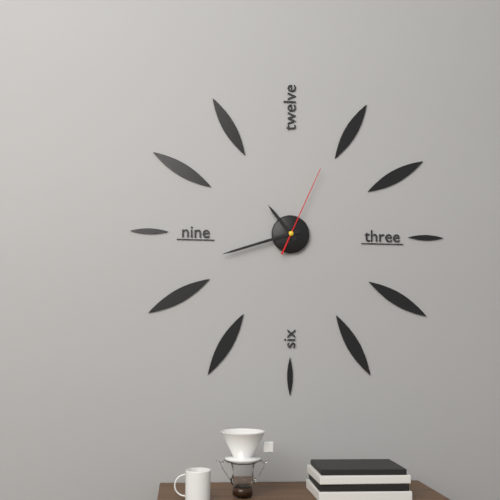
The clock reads 10,42,04
